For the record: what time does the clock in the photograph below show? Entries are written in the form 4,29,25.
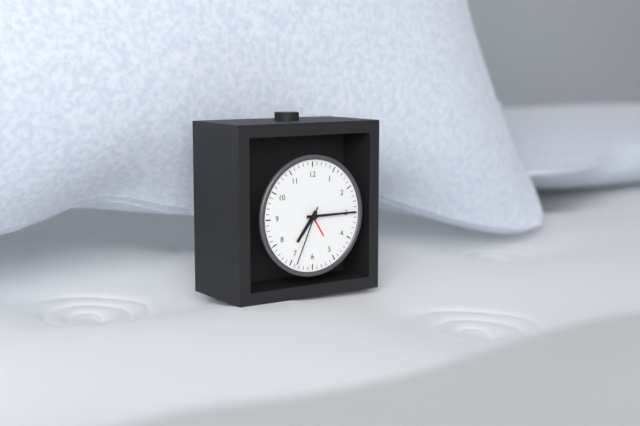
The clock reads 7,15,34
